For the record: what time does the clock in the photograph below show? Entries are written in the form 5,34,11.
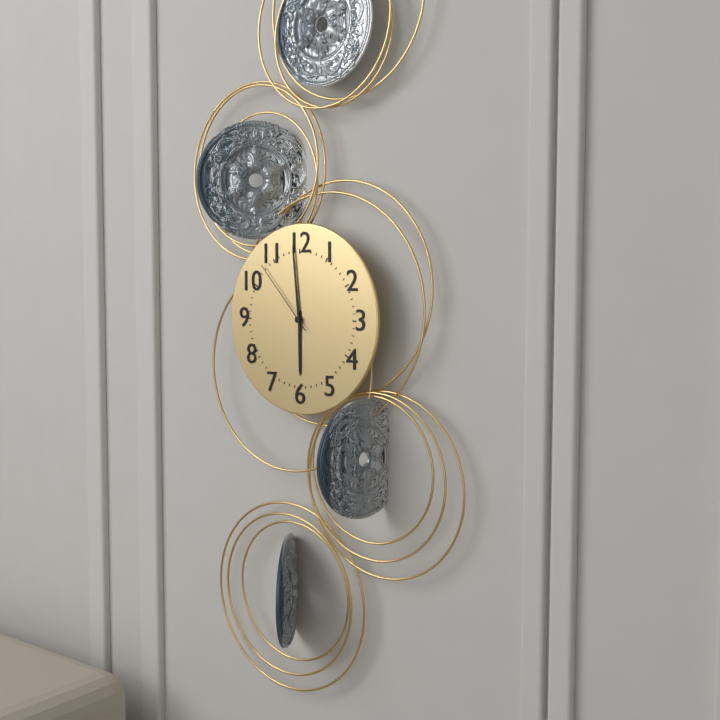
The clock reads 5,59,53
